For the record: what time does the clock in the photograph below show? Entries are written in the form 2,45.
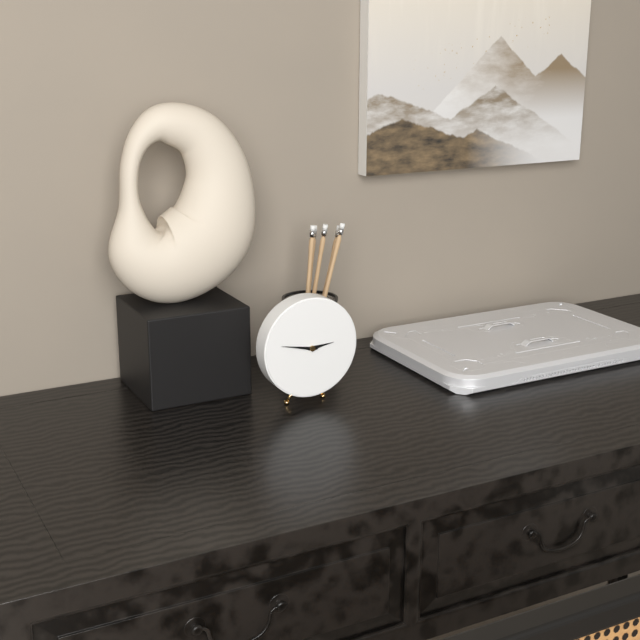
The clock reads 2,47
